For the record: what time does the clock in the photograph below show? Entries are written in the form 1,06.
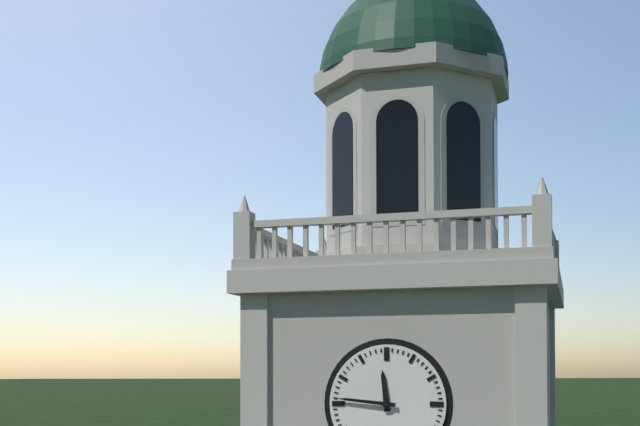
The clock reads 11,46
